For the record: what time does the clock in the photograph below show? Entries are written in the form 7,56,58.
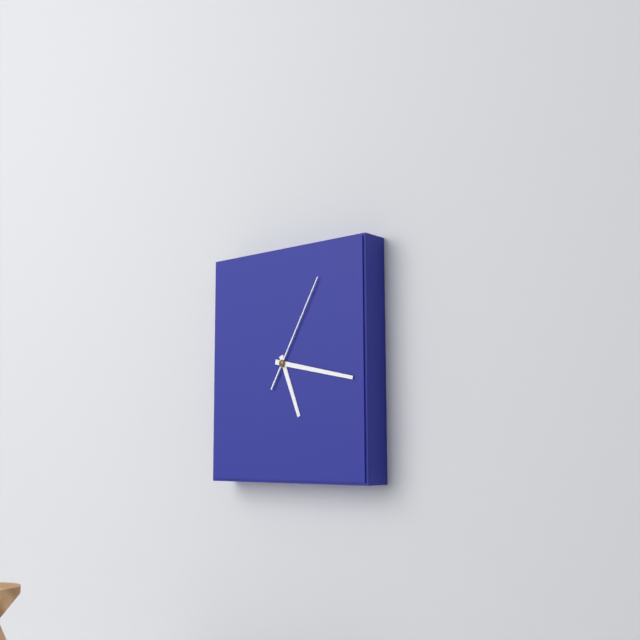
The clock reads 5,17,05
